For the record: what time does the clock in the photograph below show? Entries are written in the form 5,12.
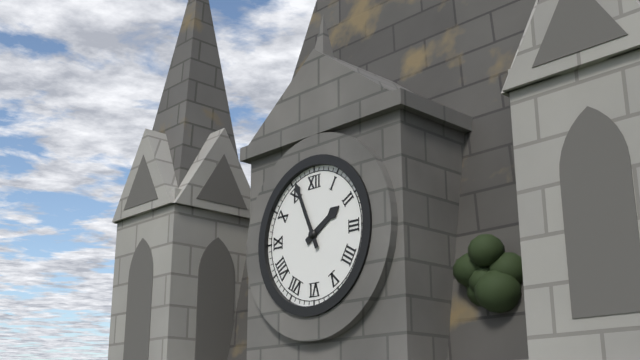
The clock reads 1,56
